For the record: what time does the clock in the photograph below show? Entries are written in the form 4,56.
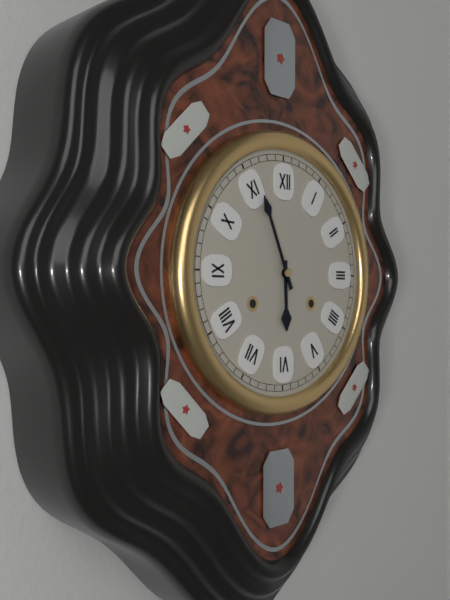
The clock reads 5,56
